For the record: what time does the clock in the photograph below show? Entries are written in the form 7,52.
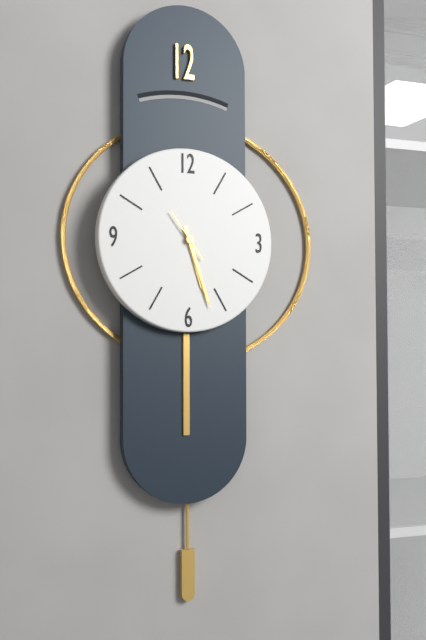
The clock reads 5,27
